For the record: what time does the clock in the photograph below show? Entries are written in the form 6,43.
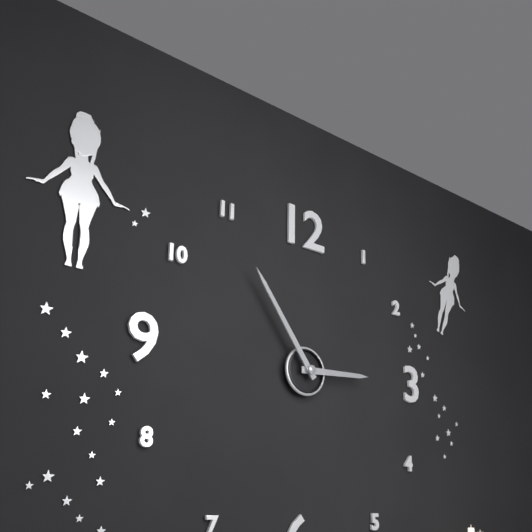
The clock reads 2,54
